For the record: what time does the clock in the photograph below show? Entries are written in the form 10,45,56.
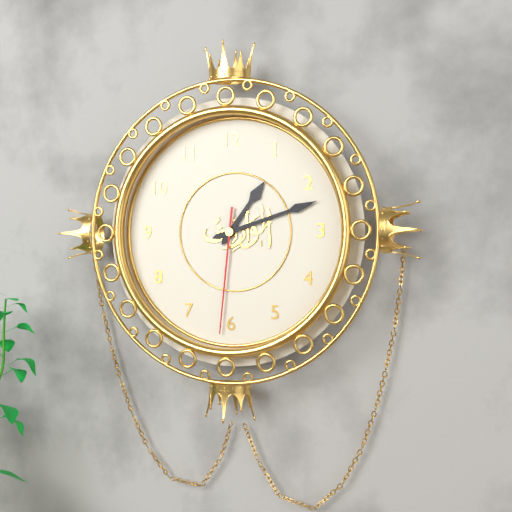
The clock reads 1,12,31
